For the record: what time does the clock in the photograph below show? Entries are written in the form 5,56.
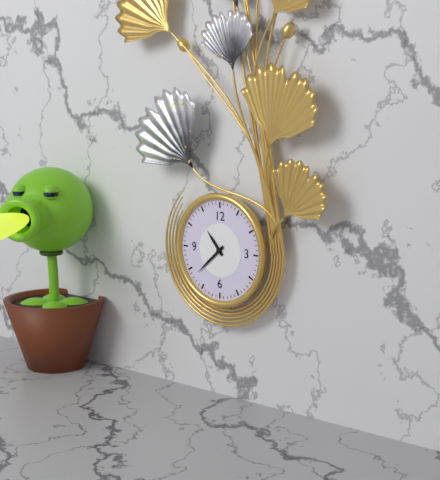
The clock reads 10,38
